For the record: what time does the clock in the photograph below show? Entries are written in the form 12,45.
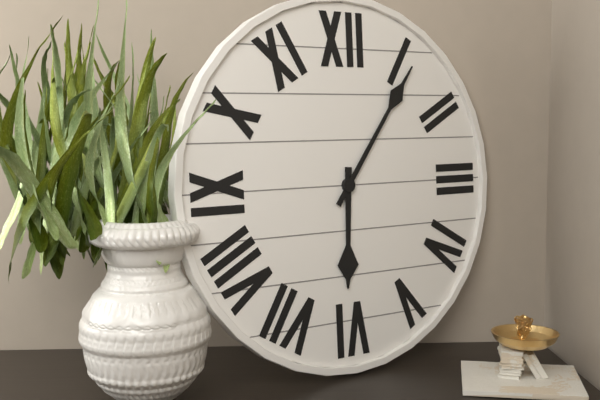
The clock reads 6,06
